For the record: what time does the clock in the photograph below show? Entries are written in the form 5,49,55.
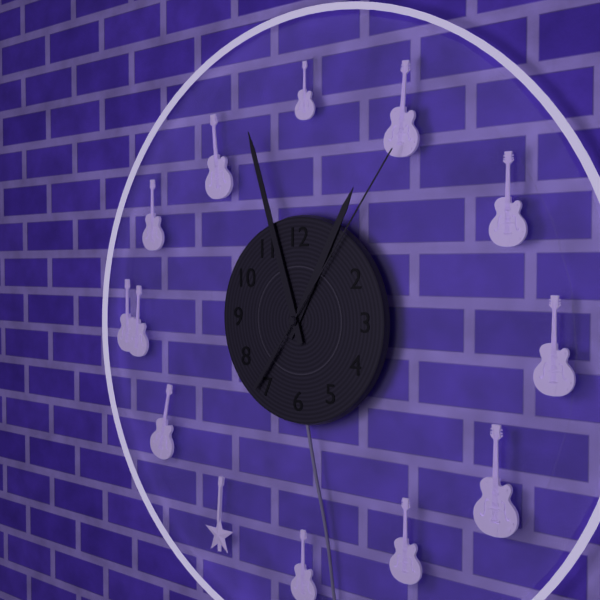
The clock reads 12,57,06
